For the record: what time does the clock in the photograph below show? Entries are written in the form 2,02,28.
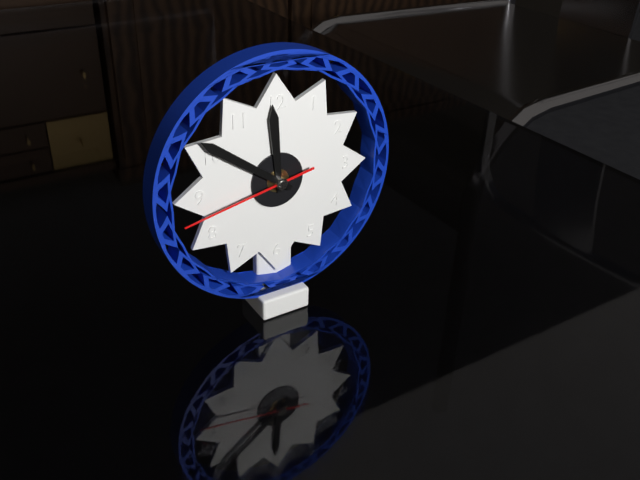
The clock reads 11,51,43
